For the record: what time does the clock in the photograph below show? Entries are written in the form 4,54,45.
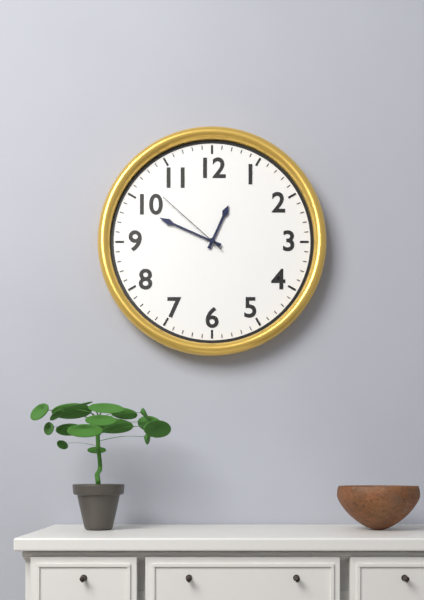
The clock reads 12,49,52
